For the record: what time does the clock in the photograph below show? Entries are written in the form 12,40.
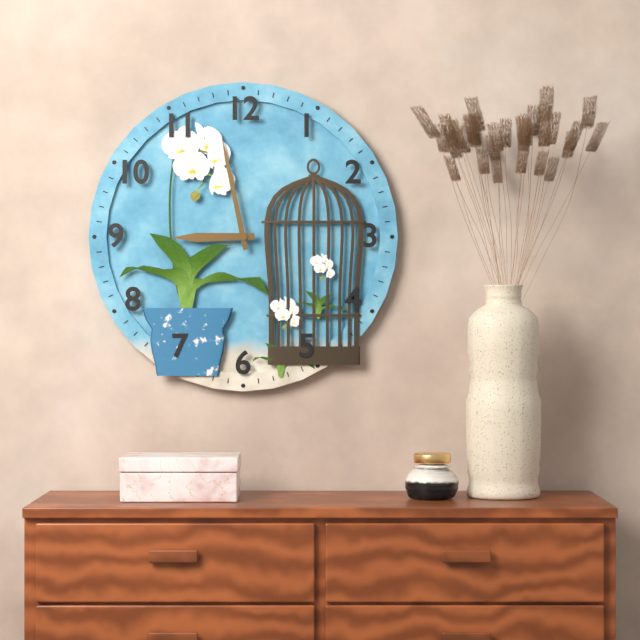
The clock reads 8,58
